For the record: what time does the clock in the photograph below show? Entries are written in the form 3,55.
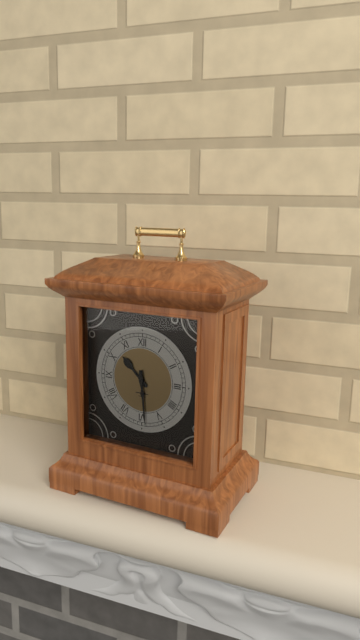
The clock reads 10,29
